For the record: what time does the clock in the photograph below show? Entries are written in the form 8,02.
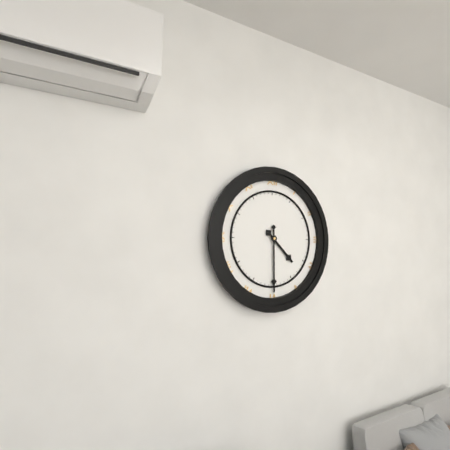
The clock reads 4,30
